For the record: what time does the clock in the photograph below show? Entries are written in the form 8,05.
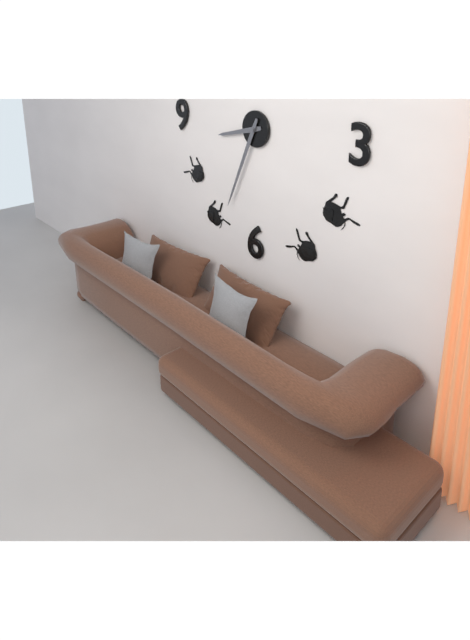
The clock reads 8,34
